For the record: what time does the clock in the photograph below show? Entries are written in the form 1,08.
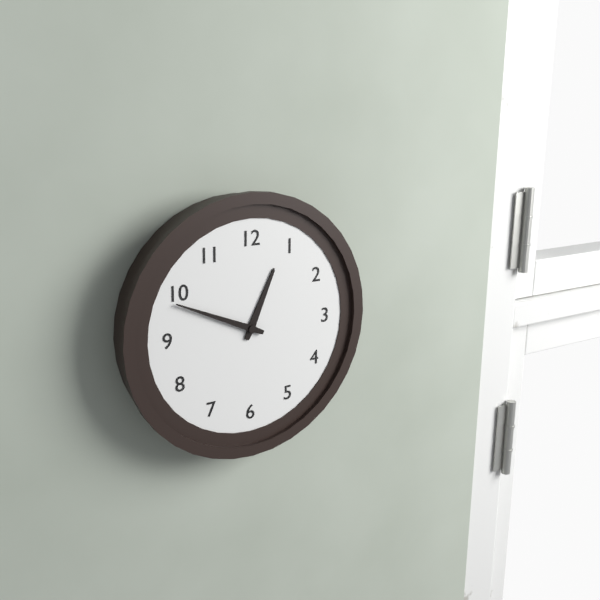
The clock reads 12,49
